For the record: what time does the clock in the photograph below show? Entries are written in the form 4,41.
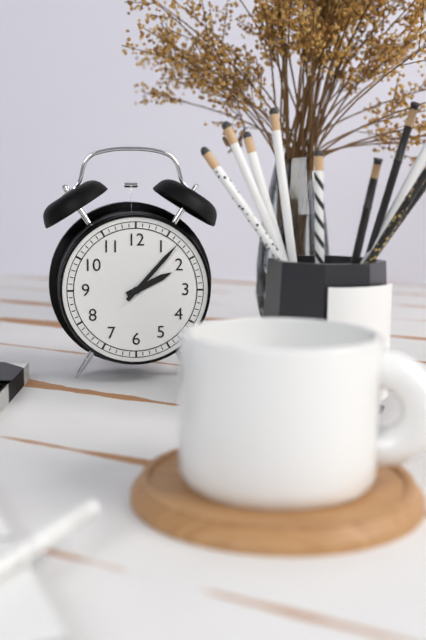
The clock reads 2,07
